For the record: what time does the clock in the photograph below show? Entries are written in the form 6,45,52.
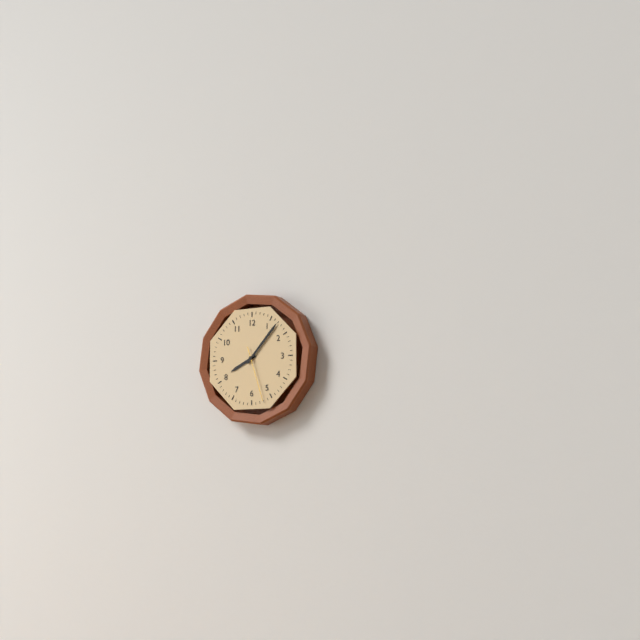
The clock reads 8,07,27
